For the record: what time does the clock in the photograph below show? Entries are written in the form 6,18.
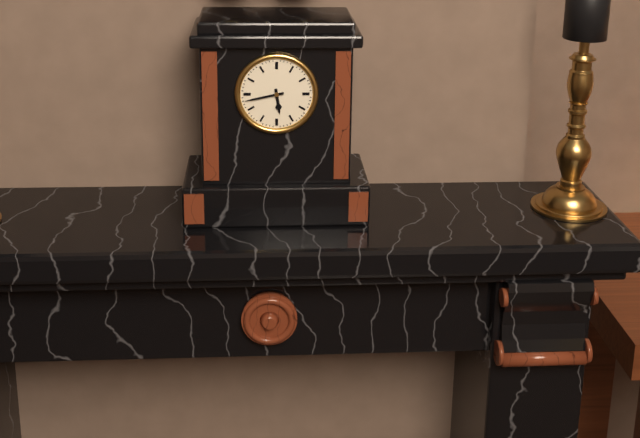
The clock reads 5,43
